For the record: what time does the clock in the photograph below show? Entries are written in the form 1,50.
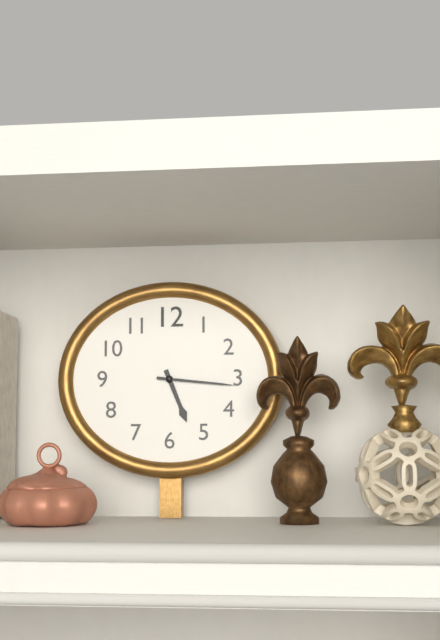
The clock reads 5,16
